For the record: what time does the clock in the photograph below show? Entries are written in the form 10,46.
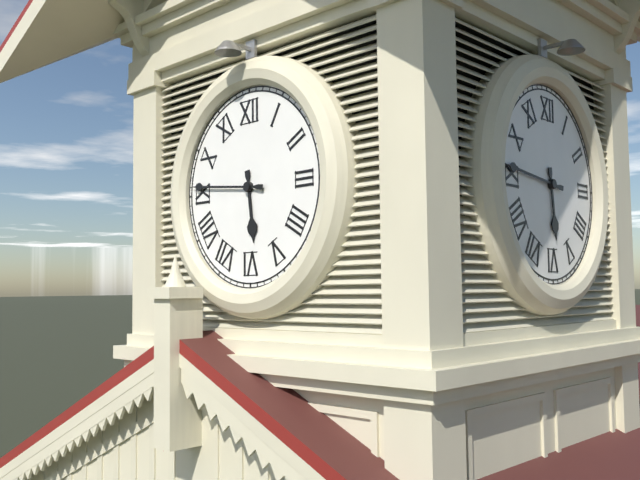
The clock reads 5,46
